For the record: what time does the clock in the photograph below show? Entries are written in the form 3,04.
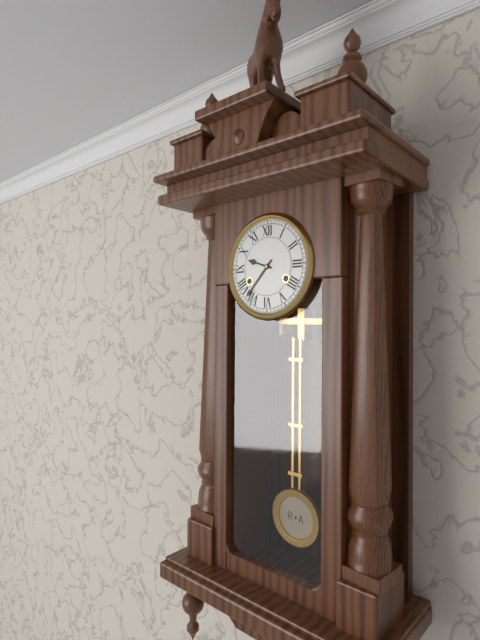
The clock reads 9,37
